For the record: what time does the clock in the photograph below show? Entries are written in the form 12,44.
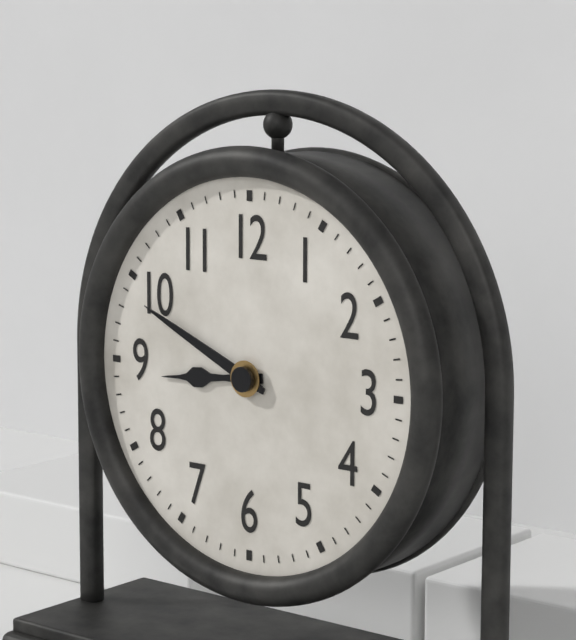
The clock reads 8,49
